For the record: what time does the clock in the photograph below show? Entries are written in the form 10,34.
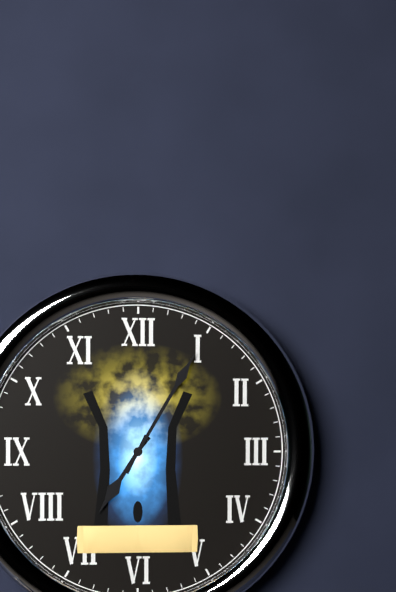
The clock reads 7,05
